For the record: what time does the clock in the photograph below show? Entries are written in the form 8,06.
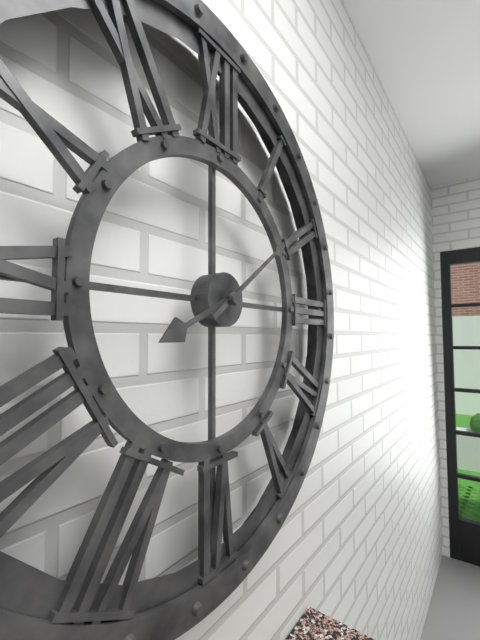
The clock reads 8,09
